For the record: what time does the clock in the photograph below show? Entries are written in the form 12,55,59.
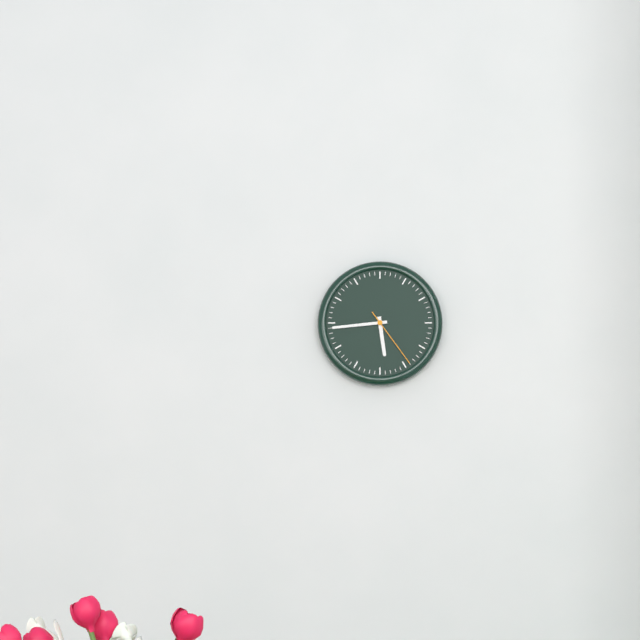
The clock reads 5,44,24
